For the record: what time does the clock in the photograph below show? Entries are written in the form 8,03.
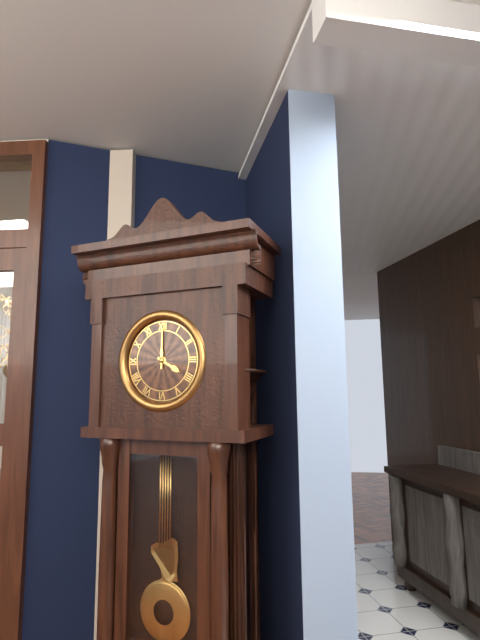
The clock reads 4,00
